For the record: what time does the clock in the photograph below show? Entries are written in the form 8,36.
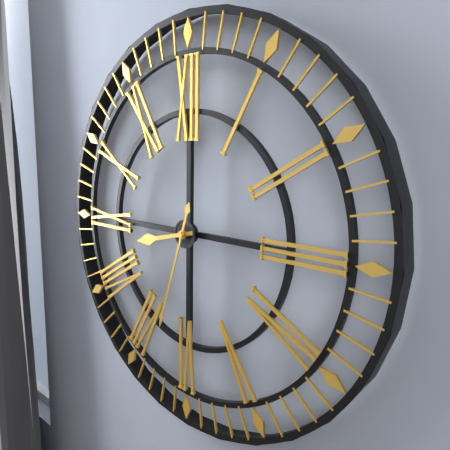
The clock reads 8,33
